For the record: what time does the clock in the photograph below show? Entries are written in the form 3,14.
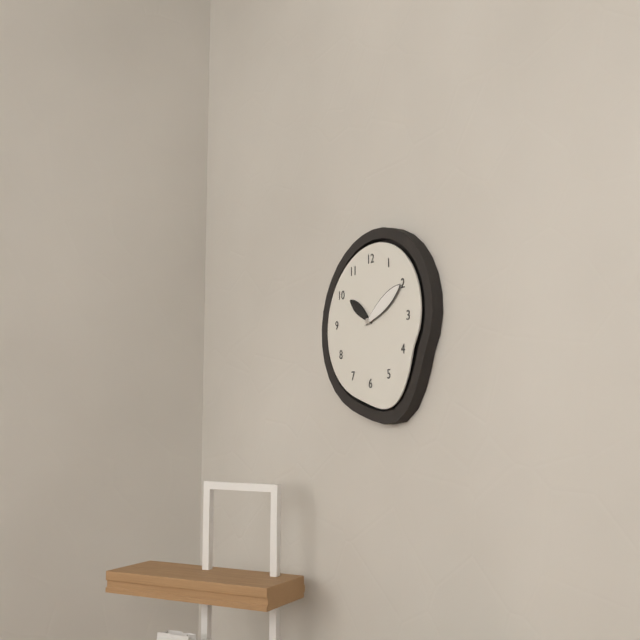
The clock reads 10,10
